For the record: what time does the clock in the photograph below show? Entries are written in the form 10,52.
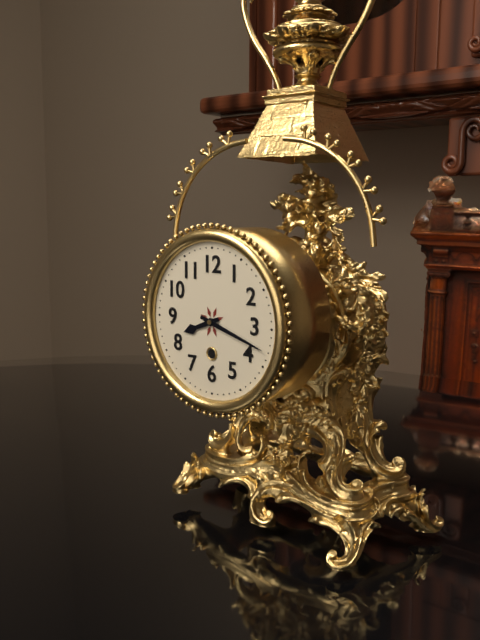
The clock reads 8,18
